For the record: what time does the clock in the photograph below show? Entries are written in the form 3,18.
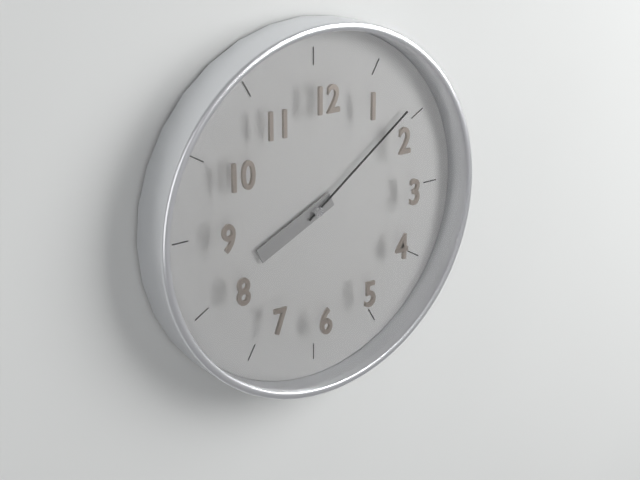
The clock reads 8,09
